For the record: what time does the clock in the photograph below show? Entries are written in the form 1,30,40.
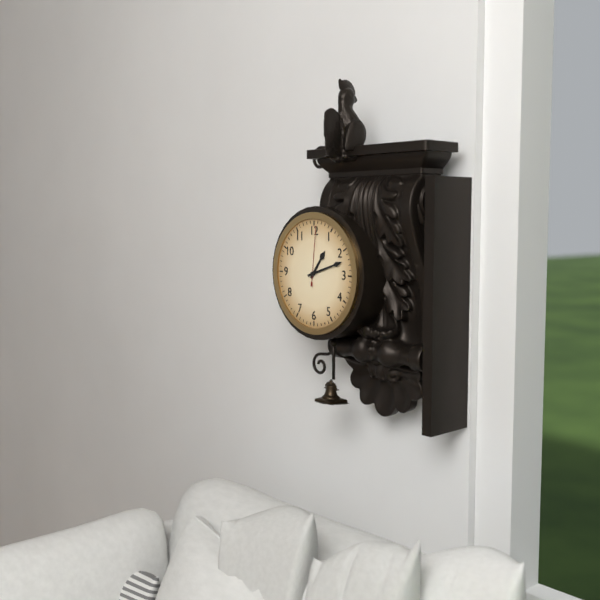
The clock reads 1,12,01
